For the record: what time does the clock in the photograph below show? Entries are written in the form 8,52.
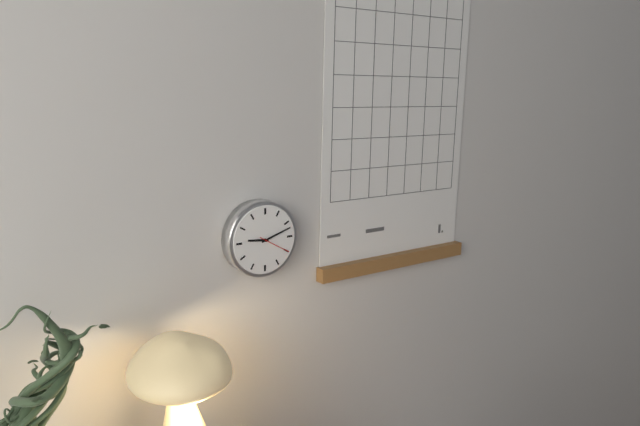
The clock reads 9,12
